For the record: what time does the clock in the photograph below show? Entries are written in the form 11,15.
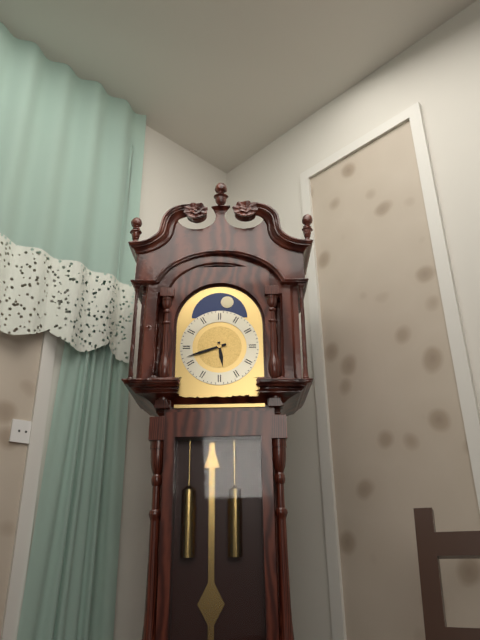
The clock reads 5,42
